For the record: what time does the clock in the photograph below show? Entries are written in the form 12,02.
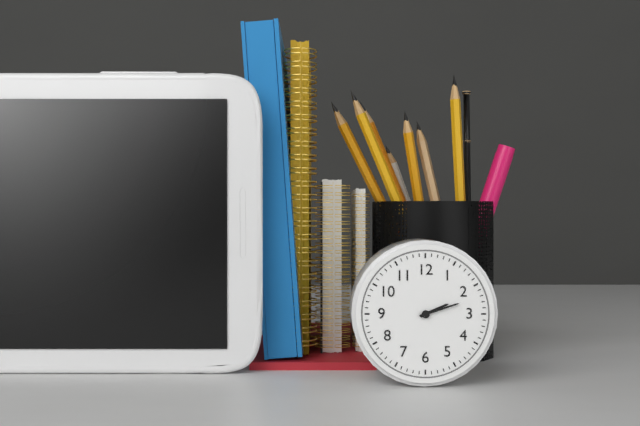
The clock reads 2,12
